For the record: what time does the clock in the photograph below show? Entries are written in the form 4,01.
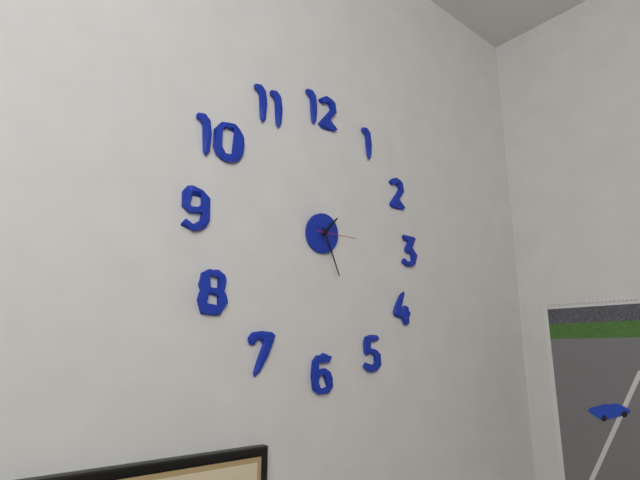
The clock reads 1,26
